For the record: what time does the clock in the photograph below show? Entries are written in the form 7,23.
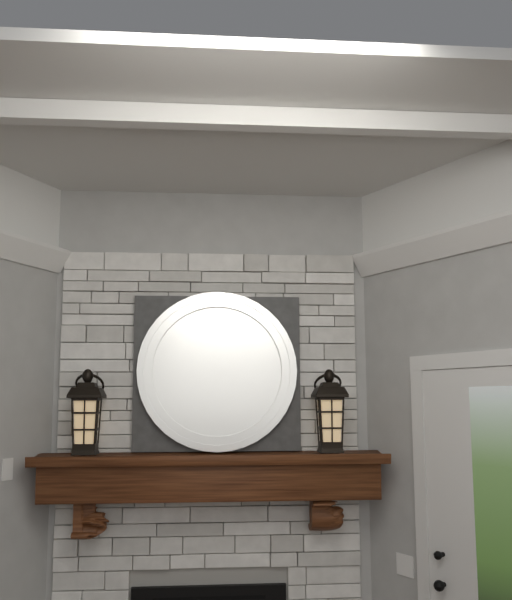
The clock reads 4,08
